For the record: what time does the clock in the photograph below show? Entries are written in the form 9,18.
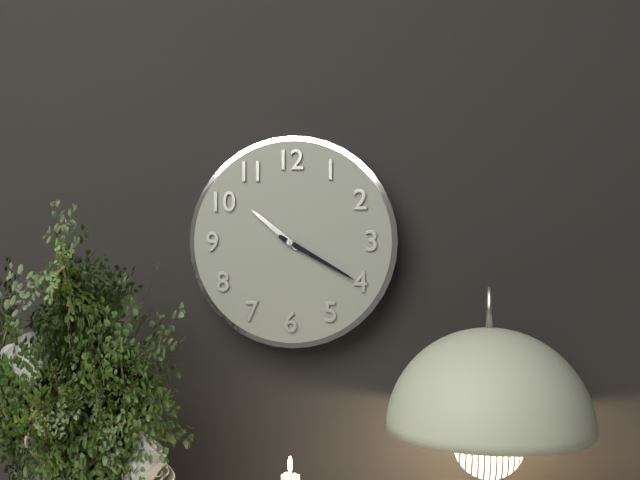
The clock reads 10,20
